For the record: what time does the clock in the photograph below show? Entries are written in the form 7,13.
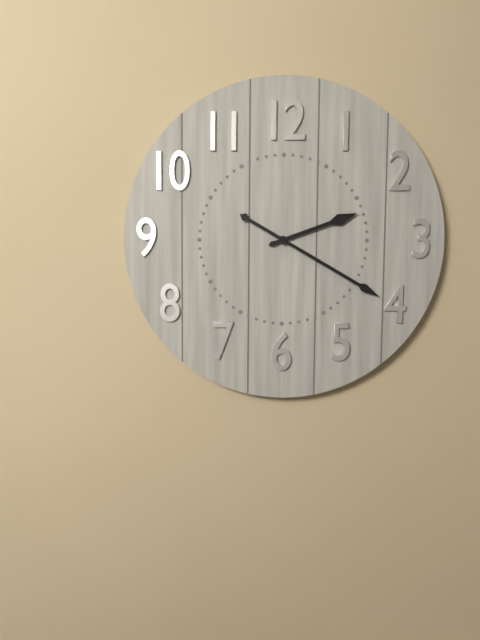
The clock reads 2,20
